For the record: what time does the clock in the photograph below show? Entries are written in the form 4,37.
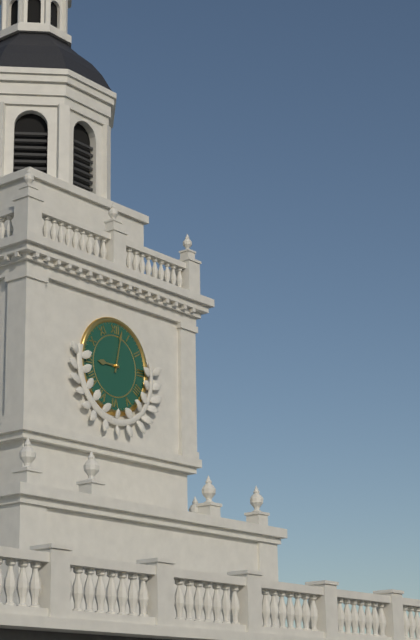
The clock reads 9,02
